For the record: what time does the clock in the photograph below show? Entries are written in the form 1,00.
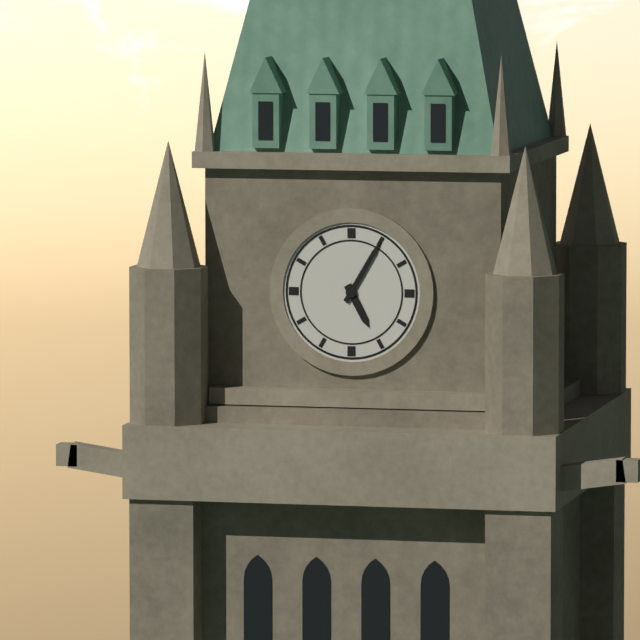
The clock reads 5,05
